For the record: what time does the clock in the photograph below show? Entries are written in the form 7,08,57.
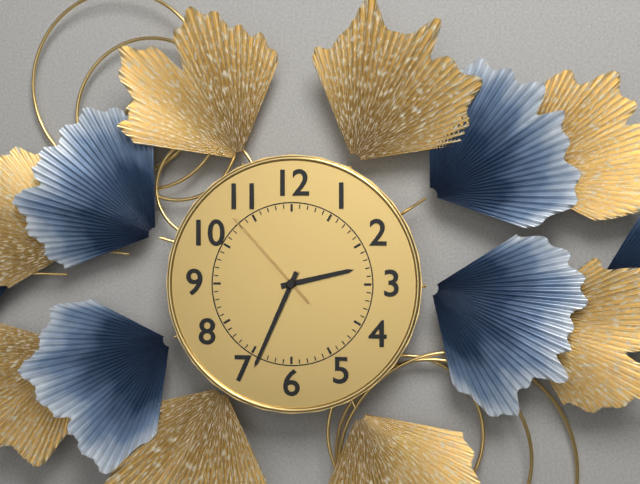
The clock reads 2,34,53
